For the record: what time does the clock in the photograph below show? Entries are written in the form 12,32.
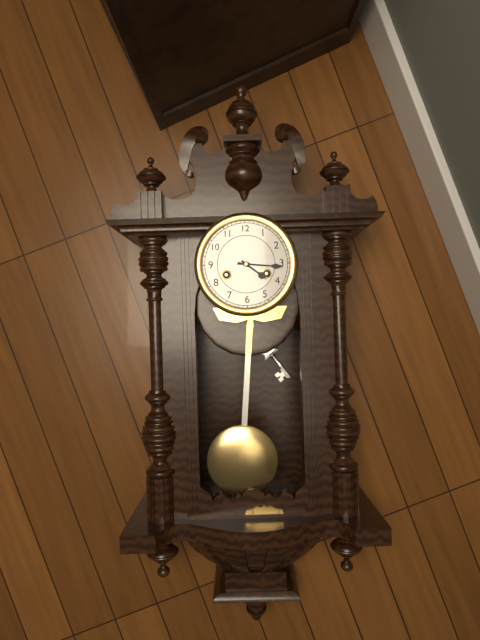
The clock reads 4,16
